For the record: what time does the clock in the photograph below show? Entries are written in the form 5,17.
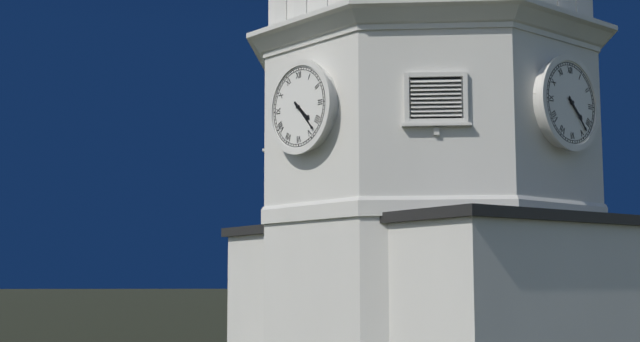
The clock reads 4,23
